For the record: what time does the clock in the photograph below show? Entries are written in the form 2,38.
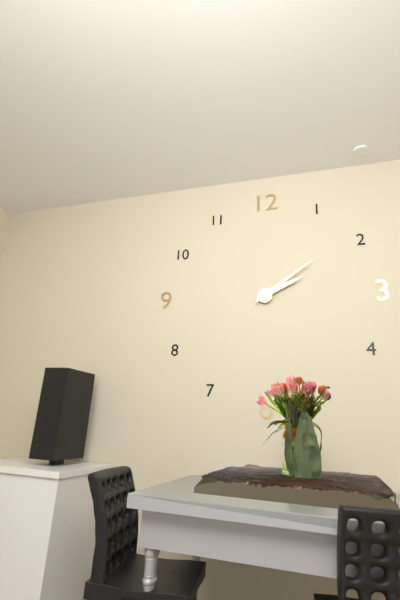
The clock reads 2,09
